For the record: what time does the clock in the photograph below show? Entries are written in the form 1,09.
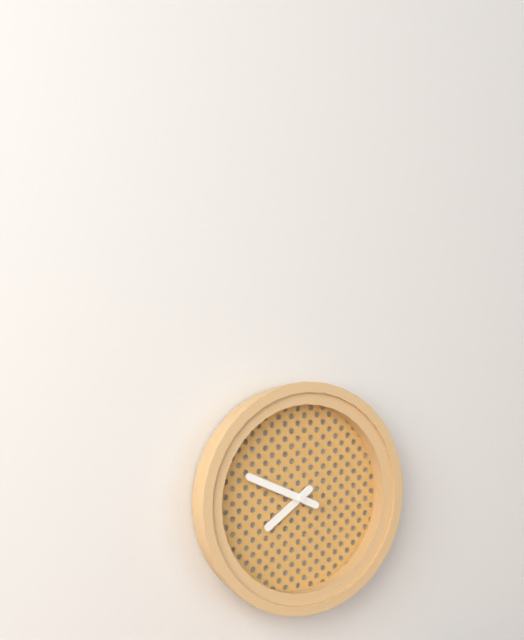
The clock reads 7,49
